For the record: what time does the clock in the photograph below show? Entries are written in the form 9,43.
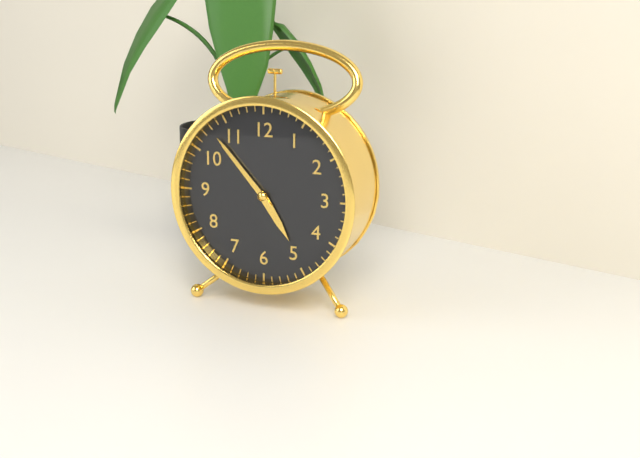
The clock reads 4,53
